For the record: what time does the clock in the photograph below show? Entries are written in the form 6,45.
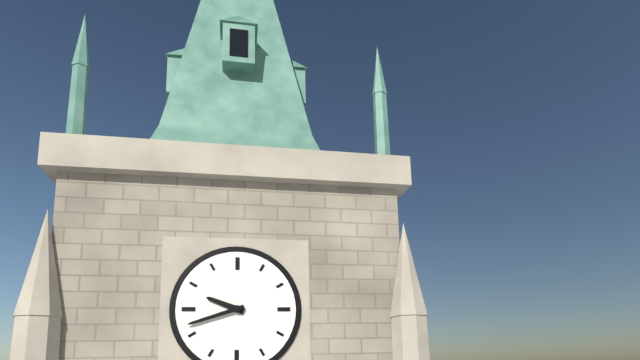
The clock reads 9,42
